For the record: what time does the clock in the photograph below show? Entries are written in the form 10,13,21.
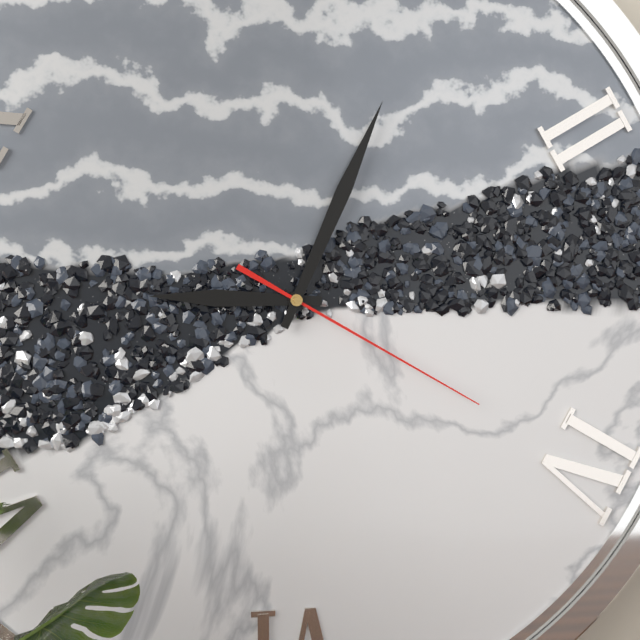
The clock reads 9,04,20
